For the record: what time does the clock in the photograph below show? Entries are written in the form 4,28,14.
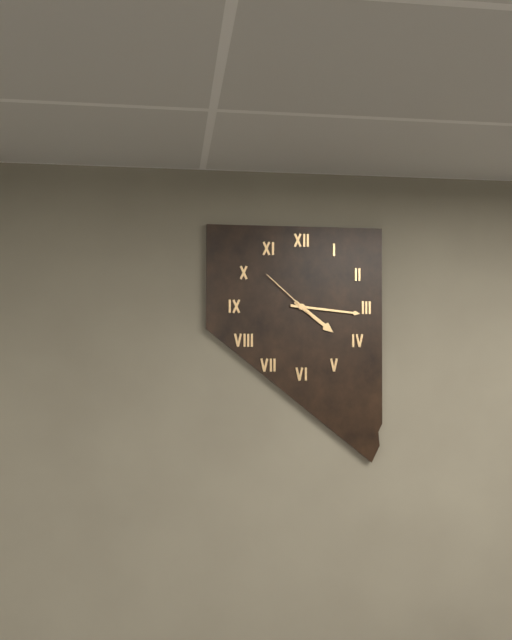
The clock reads 4,16,52
